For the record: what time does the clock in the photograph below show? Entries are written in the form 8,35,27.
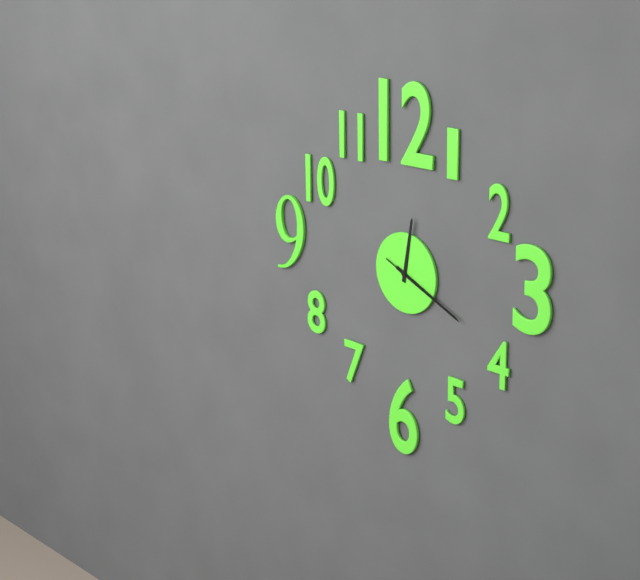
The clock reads 12,19,19
